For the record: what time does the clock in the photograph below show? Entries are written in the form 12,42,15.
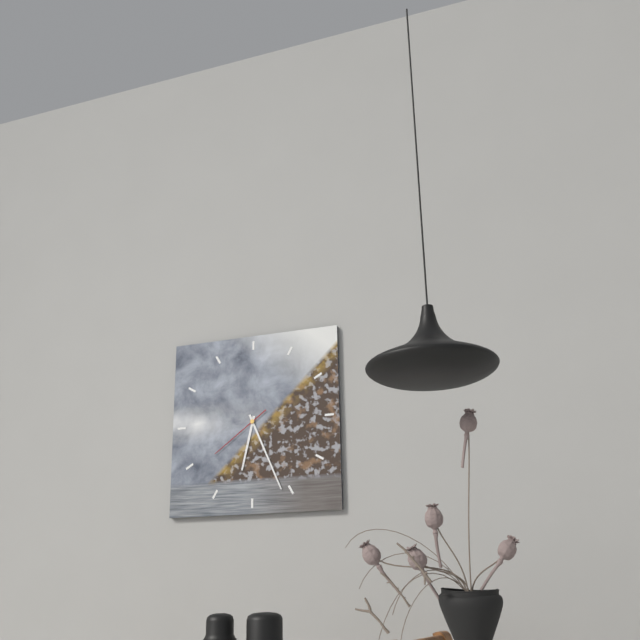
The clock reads 6,26,39
